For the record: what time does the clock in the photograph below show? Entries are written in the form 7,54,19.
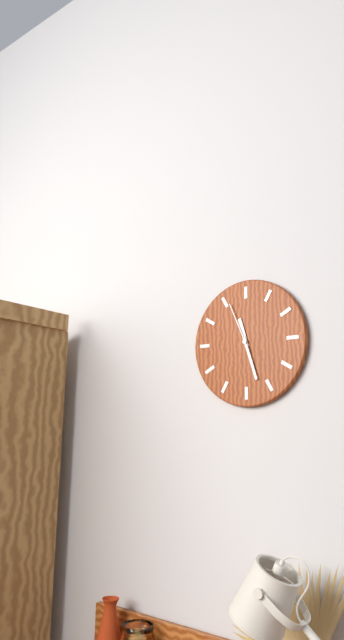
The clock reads 11,27,56
